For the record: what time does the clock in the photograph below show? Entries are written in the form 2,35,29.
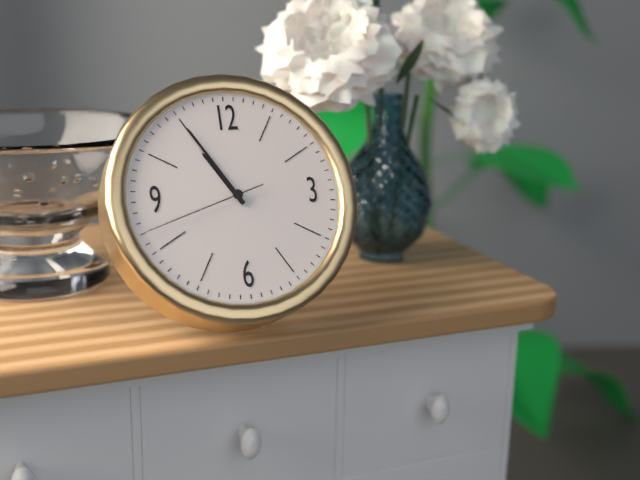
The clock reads 10,55,42
